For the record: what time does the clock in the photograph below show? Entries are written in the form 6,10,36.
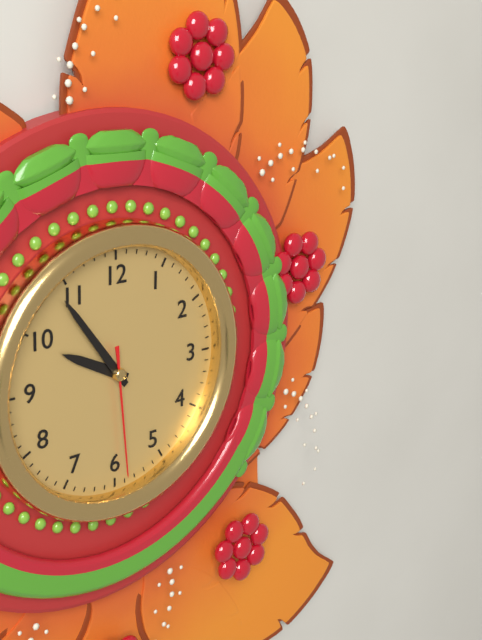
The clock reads 9,54,29
